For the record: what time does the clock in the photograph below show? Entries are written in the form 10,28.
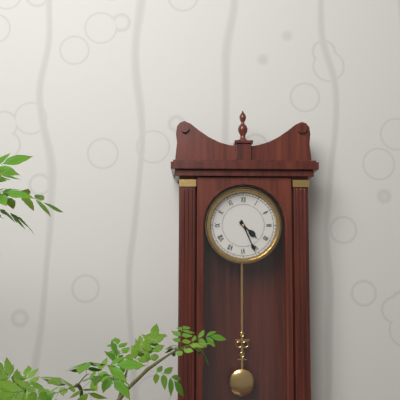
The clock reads 4,26
